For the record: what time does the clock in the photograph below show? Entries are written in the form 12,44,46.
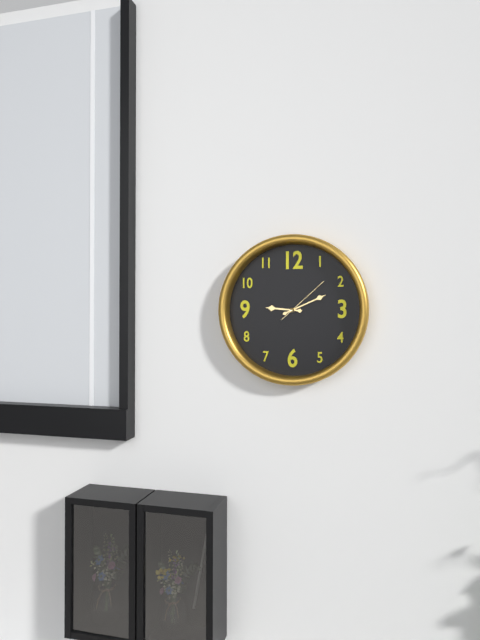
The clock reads 9,11,08
